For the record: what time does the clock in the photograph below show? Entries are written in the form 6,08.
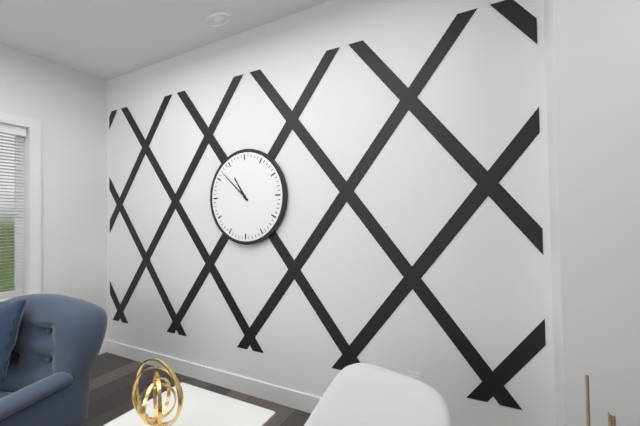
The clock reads 10,52
